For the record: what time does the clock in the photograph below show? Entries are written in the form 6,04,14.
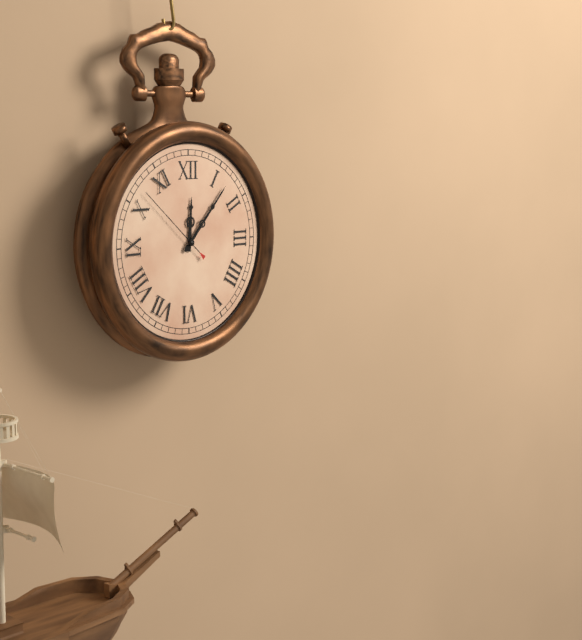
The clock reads 12,07,52
